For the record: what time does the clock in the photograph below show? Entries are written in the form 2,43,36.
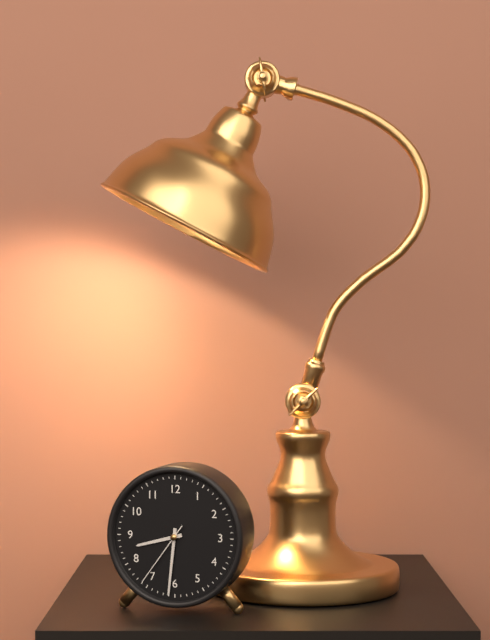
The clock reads 8,31,36
